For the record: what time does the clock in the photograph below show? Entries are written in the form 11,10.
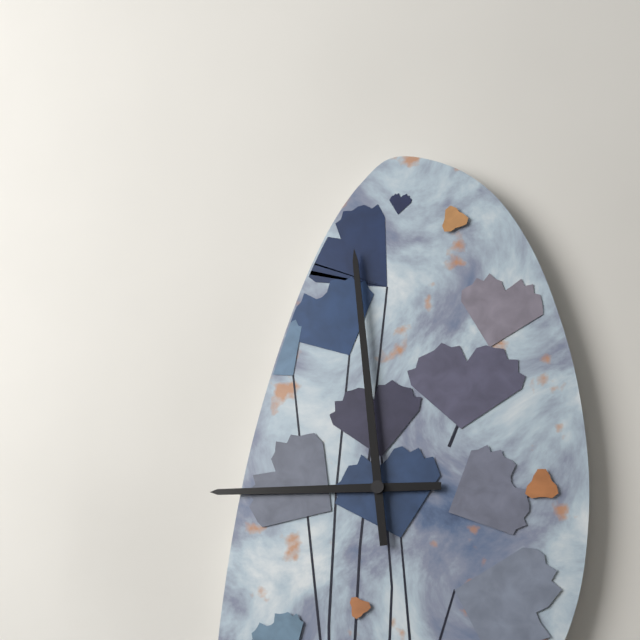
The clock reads 8,59
